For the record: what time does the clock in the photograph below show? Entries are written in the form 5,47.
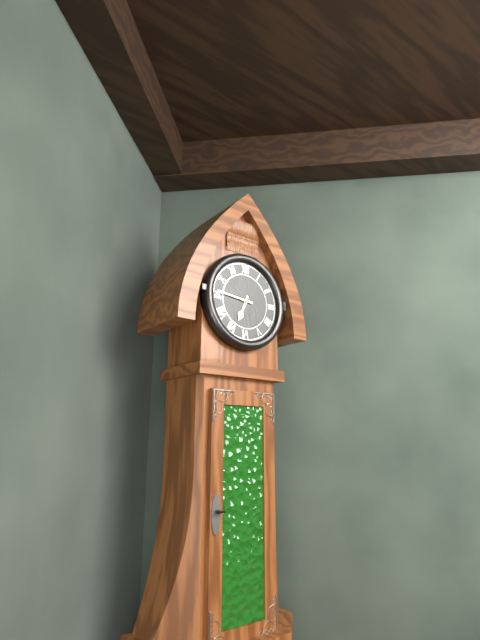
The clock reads 6,46
